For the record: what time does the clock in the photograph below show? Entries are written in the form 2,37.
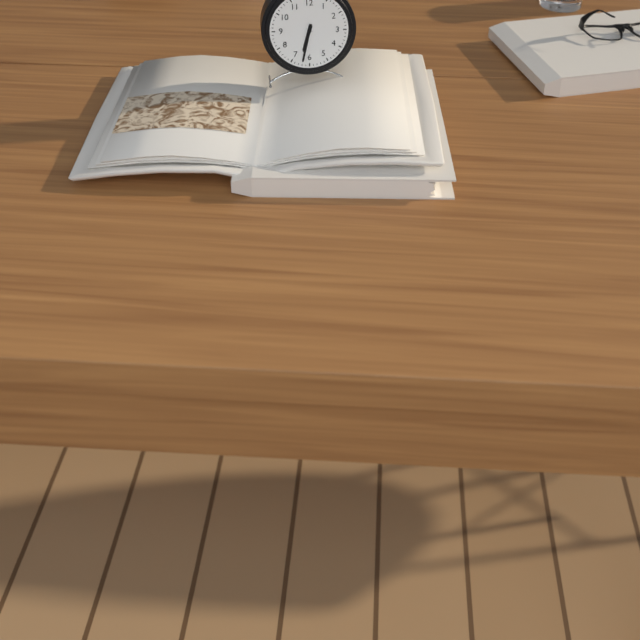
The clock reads 6,32
